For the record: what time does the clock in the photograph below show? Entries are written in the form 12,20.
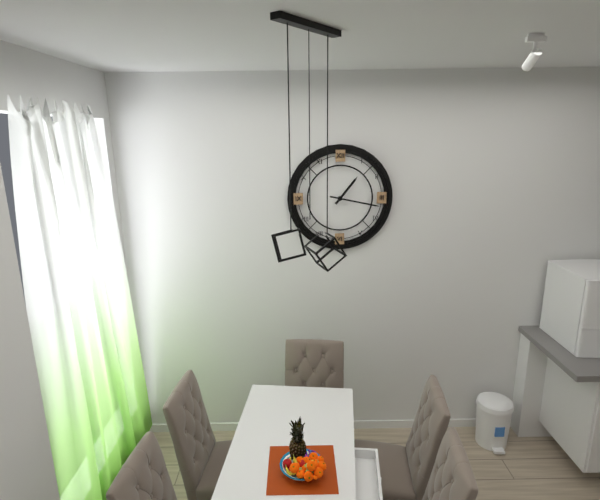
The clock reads 1,17
